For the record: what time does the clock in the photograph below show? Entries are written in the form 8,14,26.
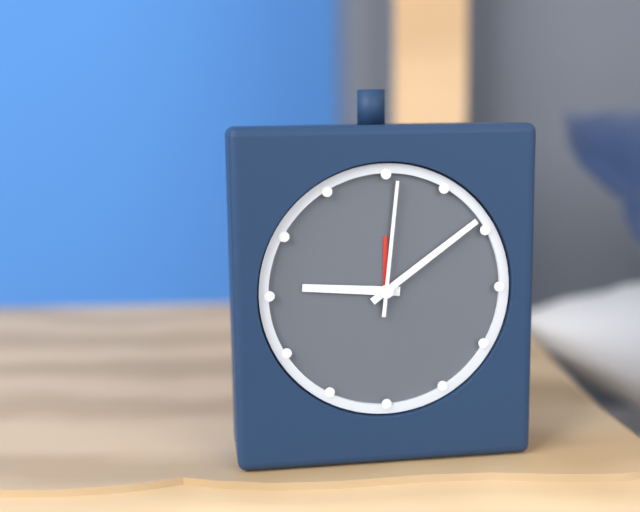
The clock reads 9,09,01
